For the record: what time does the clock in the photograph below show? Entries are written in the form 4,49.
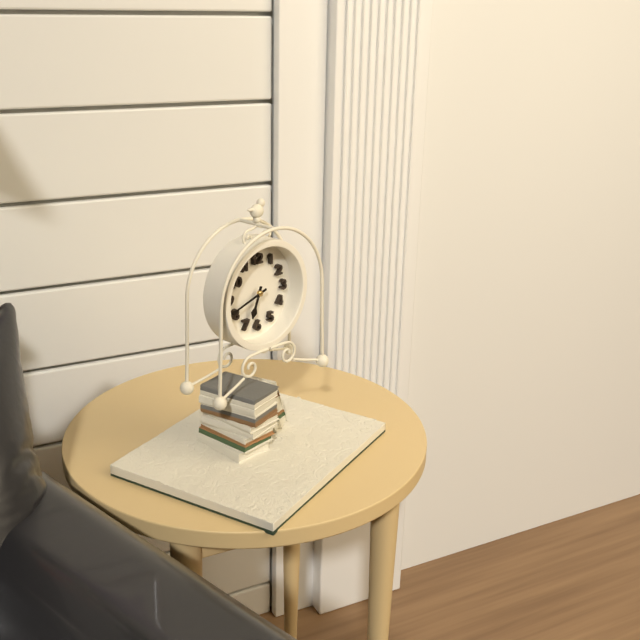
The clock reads 6,42
